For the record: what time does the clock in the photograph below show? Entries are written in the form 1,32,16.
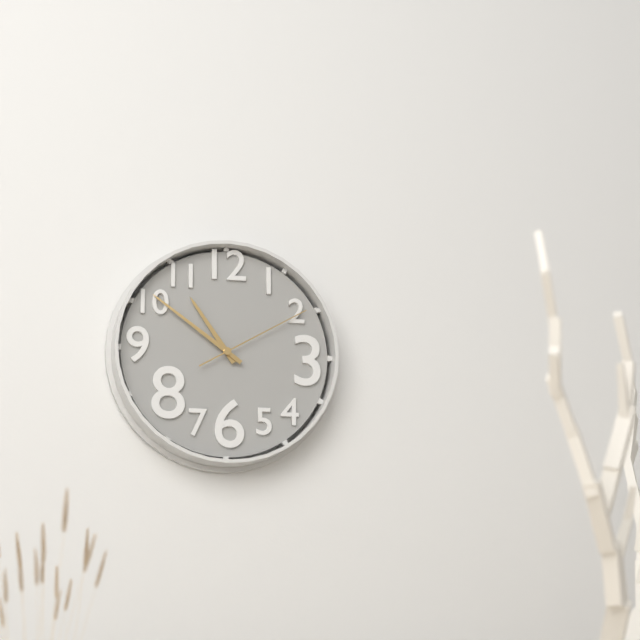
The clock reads 10,51,10
